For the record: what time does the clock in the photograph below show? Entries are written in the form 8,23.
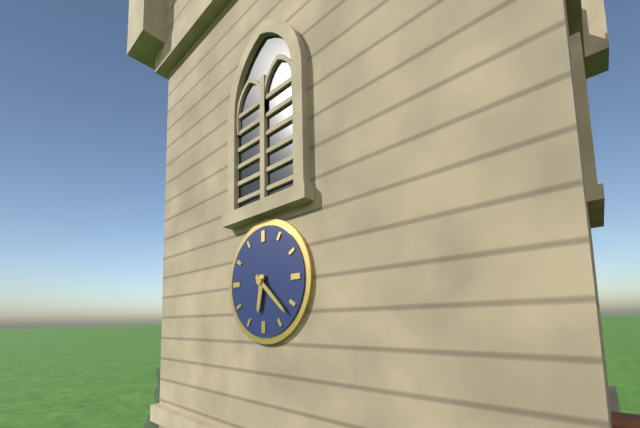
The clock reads 6,22
